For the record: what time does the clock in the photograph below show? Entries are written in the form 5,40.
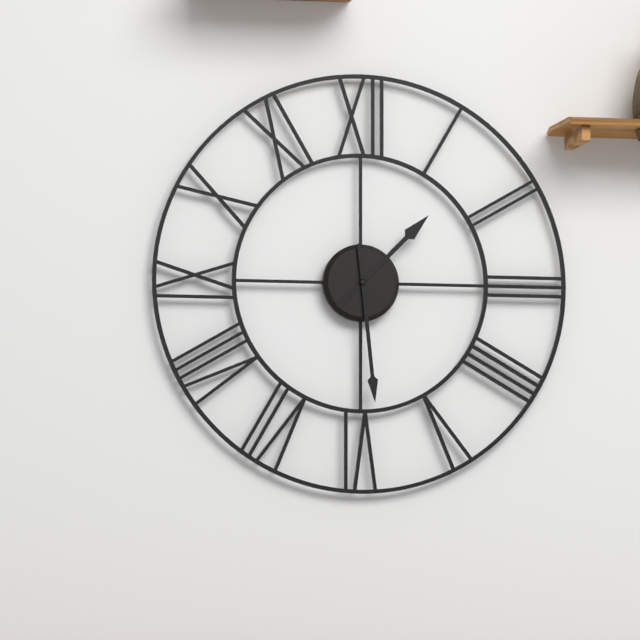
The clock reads 1,29
